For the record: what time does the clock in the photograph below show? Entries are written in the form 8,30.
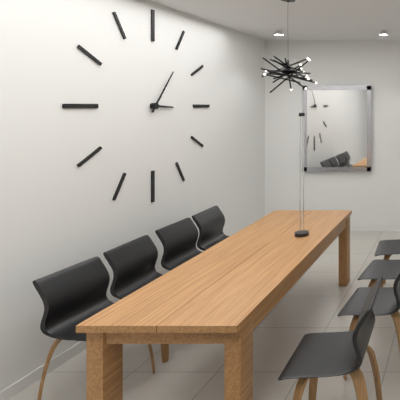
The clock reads 3,06
